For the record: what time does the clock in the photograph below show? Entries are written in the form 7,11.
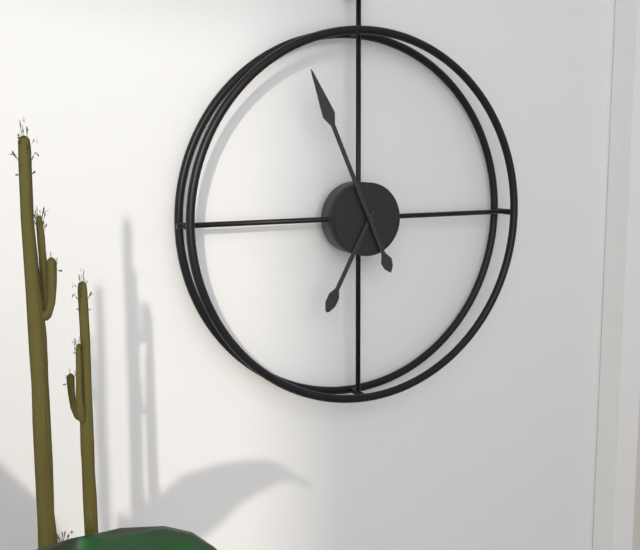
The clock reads 6,56
